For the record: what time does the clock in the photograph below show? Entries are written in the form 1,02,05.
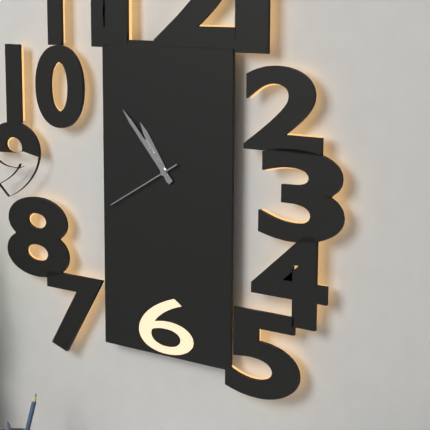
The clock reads 10,53,40
